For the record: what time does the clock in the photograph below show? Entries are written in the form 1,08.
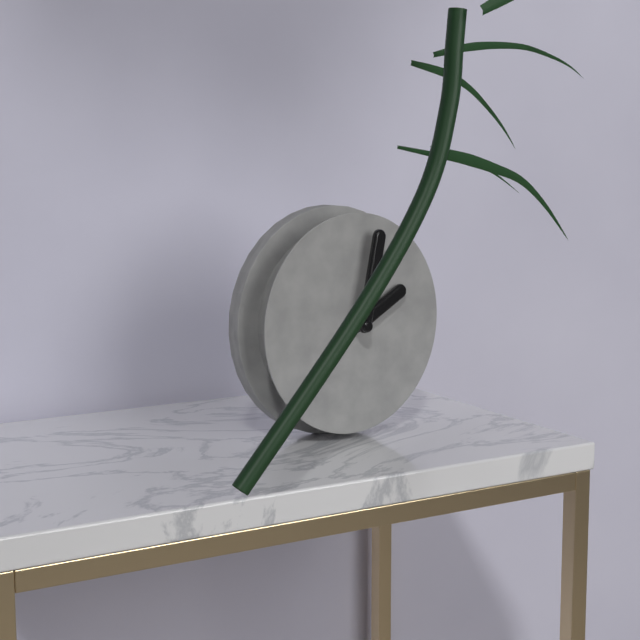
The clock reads 2,02
